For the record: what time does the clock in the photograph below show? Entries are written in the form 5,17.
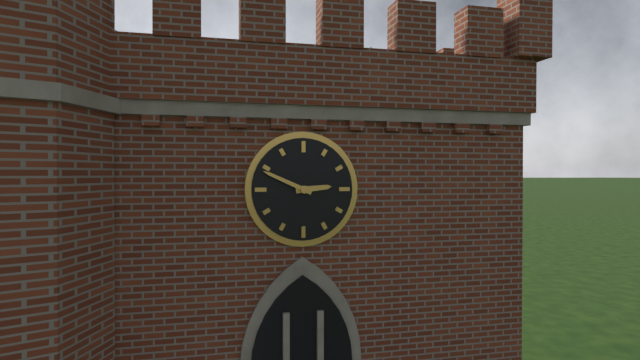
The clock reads 2,49
